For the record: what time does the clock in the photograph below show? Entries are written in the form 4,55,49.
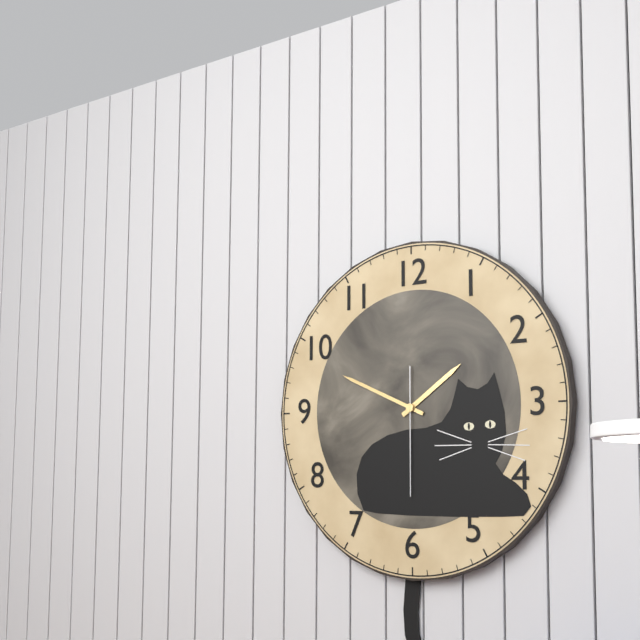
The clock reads 1,49,30
